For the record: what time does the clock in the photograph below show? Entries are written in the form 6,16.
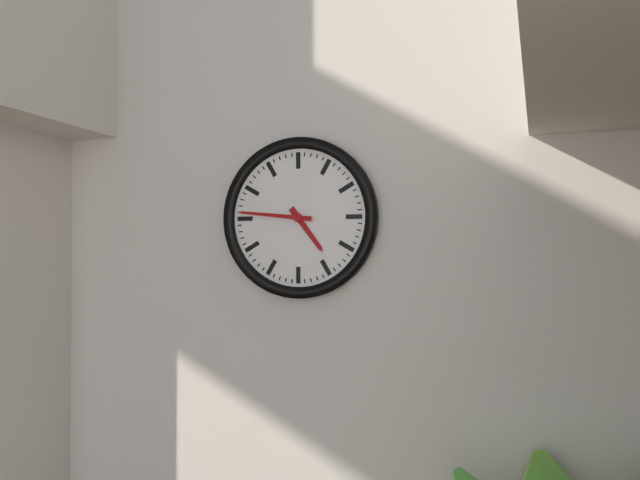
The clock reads 4,46
